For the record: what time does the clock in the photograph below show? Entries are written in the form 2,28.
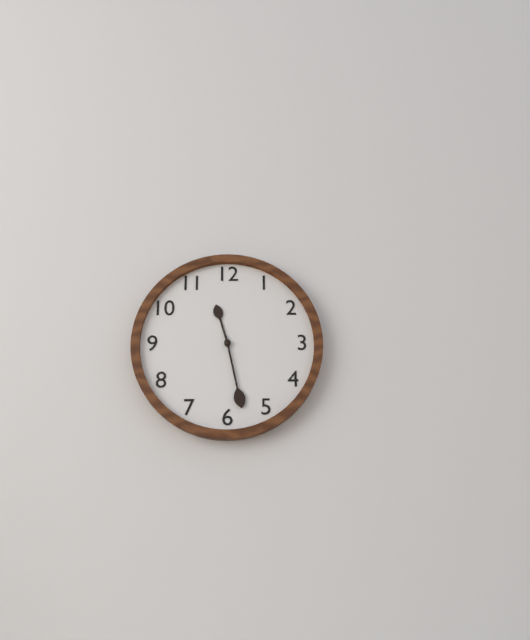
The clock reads 11,28
